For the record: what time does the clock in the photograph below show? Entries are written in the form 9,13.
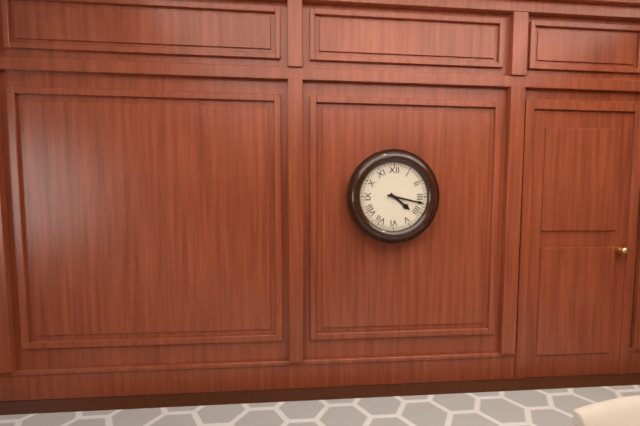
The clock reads 4,17
